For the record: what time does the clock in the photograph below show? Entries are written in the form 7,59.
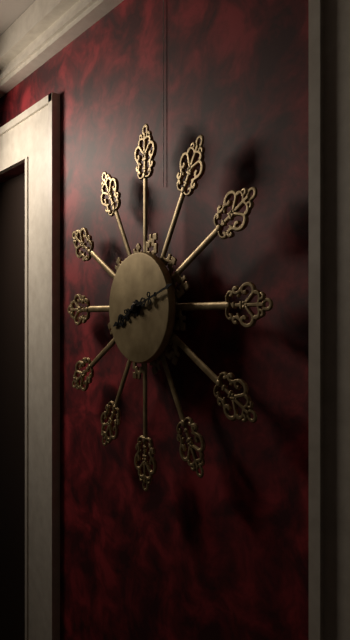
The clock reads 8,12
